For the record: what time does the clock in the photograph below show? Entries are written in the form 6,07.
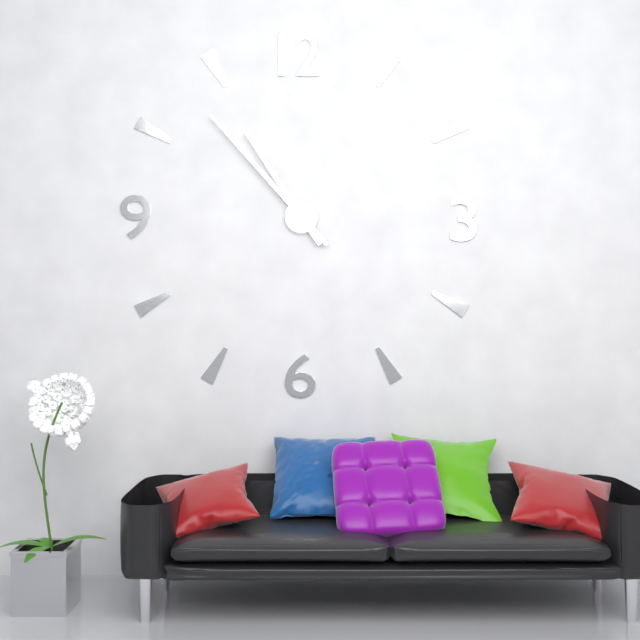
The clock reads 10,53
